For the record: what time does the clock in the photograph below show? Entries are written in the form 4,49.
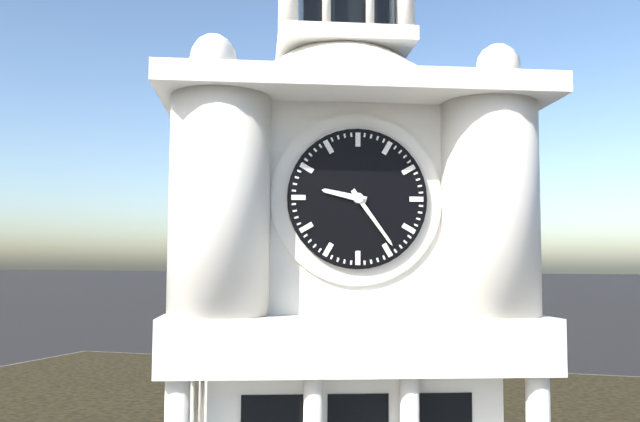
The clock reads 9,24
